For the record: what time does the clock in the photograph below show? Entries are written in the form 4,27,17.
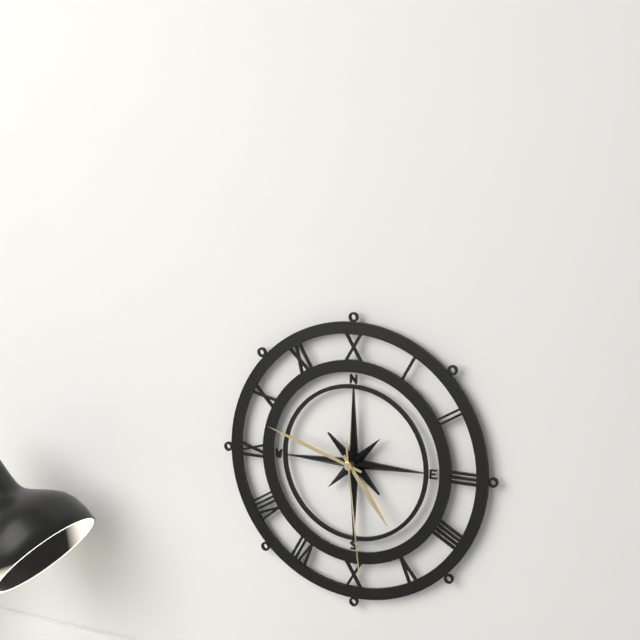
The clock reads 4,48,29
